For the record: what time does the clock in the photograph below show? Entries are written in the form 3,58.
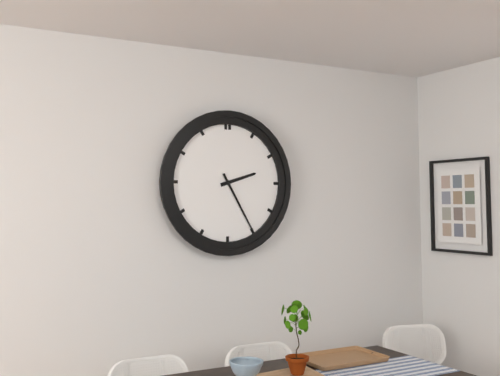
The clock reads 2,25
